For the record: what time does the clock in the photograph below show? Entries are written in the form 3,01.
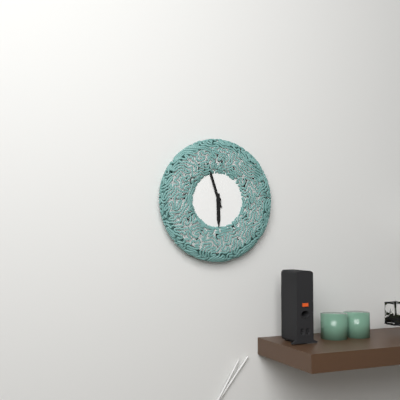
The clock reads 5,57
